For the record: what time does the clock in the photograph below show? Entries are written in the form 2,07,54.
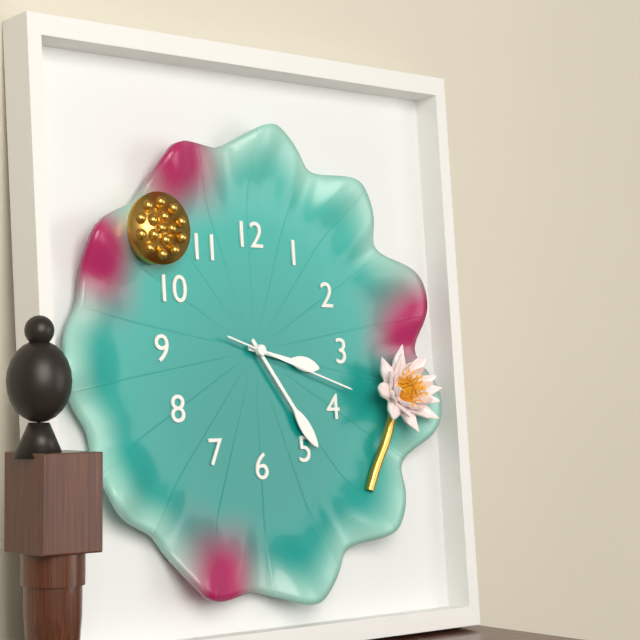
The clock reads 3,24,18
